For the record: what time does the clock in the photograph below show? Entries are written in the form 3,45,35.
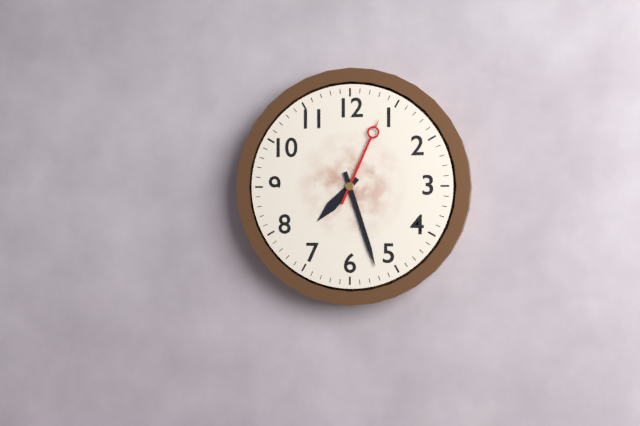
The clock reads 7,27,04
